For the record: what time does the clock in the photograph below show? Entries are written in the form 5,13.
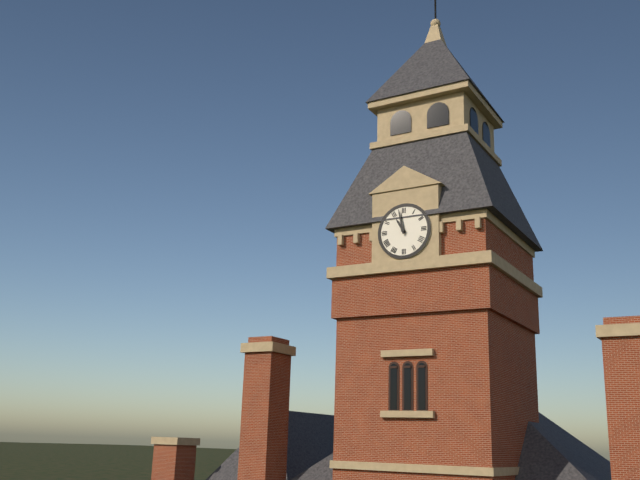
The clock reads 10,58
